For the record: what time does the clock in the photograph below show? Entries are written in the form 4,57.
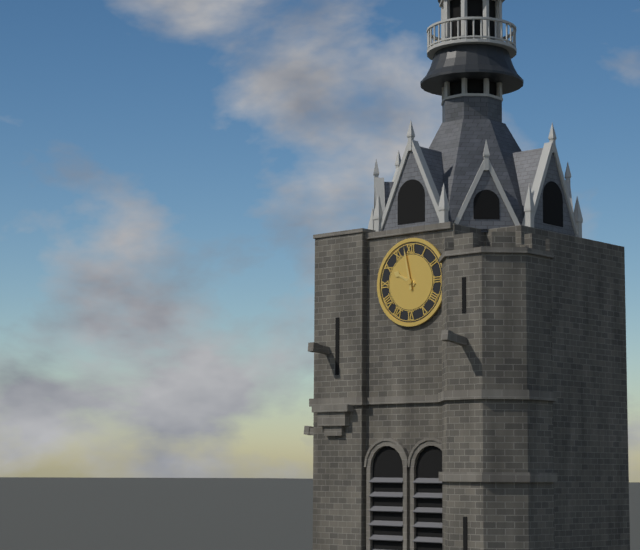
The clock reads 9,58
